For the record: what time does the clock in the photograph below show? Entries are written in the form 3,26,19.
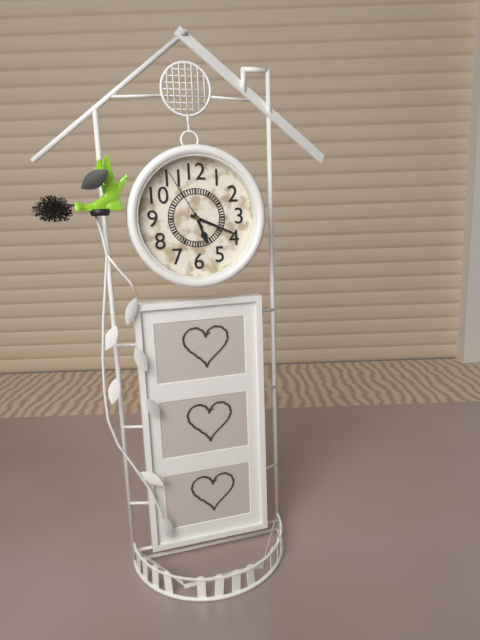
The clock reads 5,19,55
